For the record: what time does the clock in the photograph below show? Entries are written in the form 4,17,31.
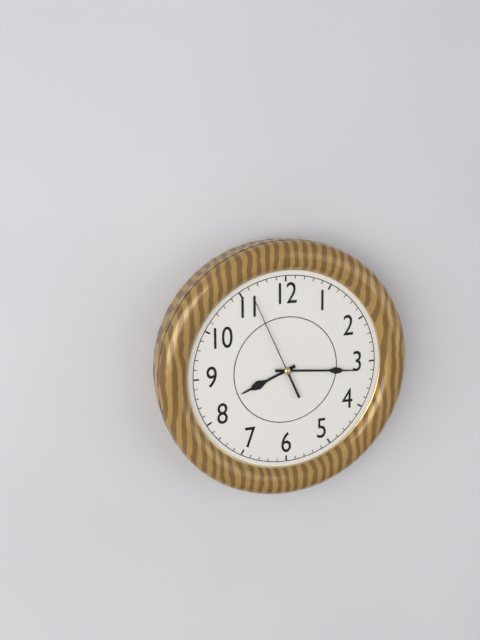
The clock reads 8,16,56
